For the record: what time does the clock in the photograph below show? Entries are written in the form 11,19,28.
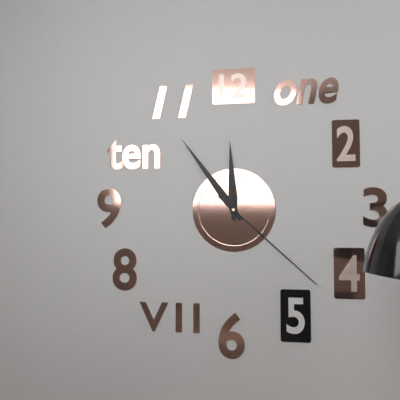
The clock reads 11,54,22
